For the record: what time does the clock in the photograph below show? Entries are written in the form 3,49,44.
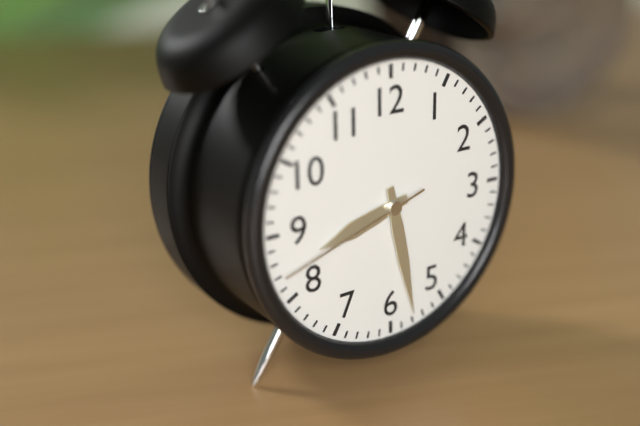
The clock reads 8,28,42
